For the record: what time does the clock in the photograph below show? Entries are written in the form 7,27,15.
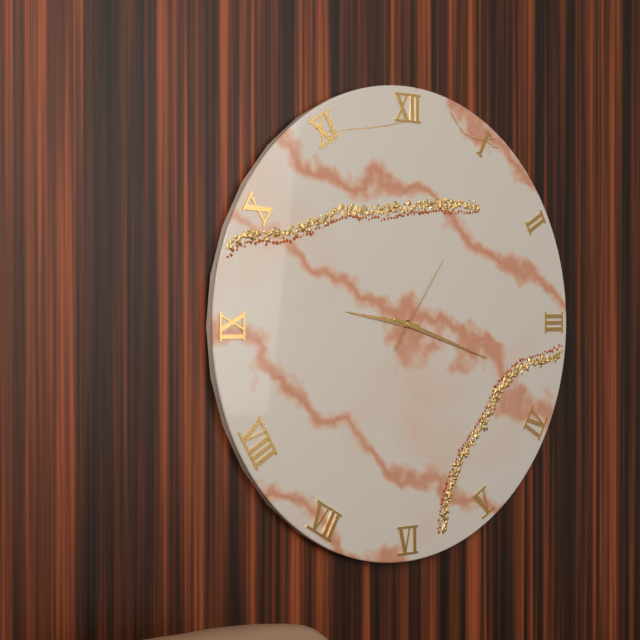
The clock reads 9,18,06
